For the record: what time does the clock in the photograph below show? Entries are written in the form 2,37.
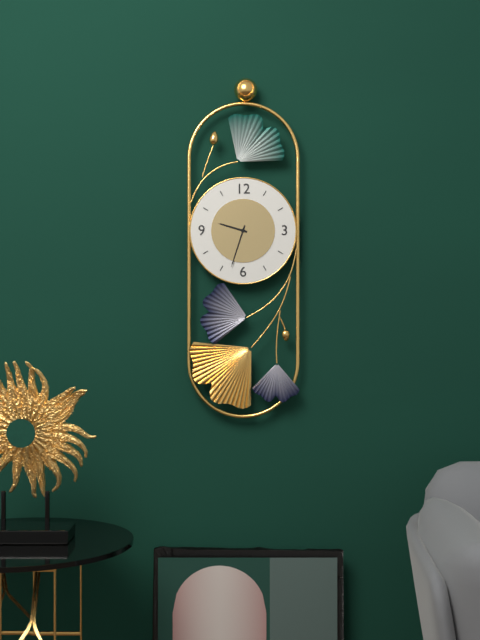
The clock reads 9,33
